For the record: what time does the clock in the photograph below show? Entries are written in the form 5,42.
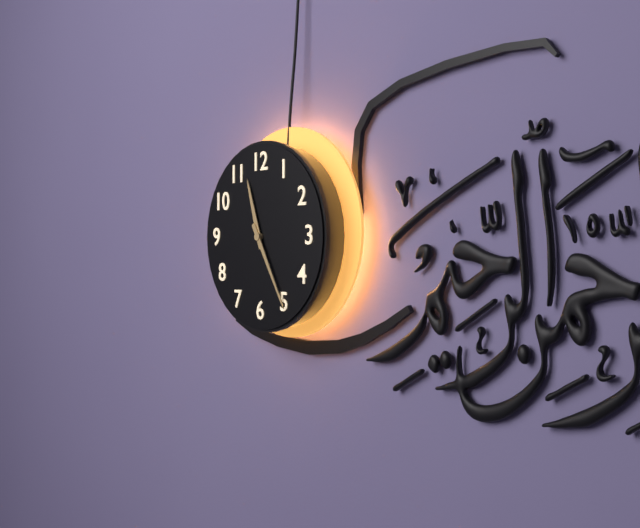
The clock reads 11,25
